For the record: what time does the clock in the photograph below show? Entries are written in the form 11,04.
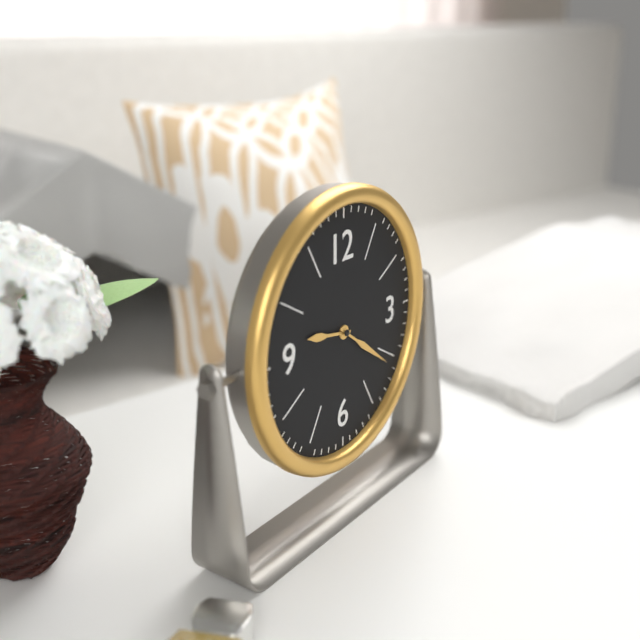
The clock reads 9,21
